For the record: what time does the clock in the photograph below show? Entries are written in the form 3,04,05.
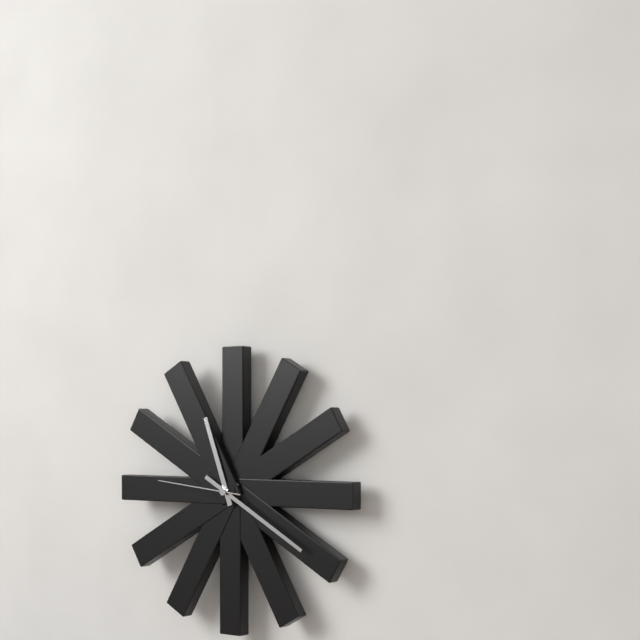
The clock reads 11,20,46
